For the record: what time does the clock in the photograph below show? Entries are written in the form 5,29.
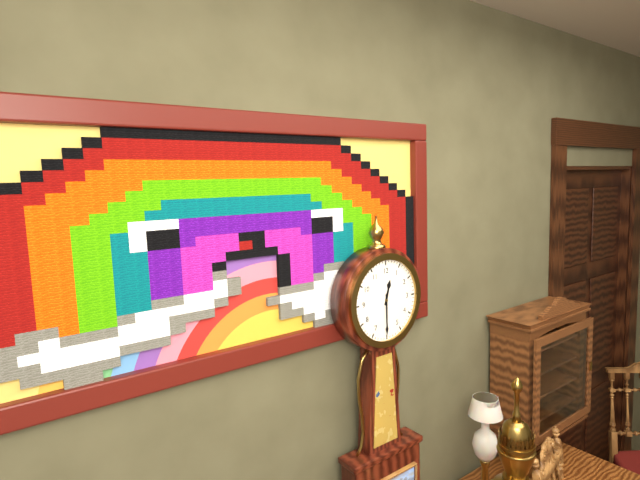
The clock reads 12,30
